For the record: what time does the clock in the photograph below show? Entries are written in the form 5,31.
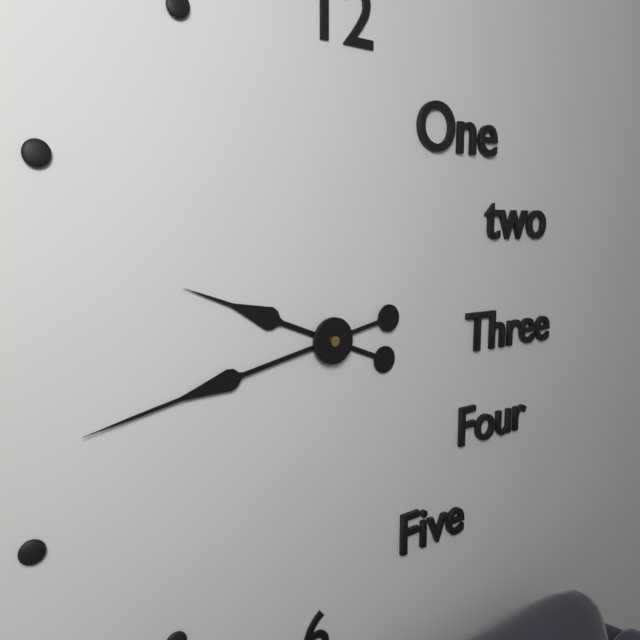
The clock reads 9,43
